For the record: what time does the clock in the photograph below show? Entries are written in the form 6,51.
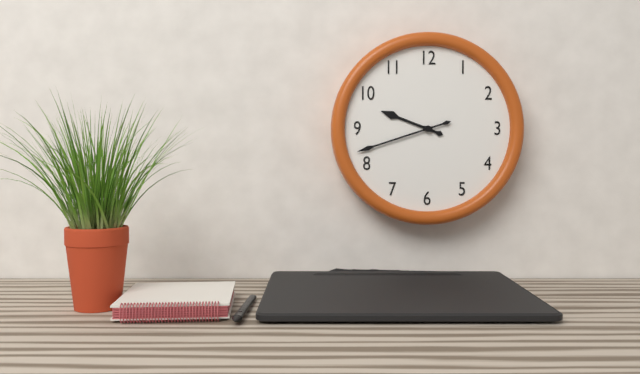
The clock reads 9,42
